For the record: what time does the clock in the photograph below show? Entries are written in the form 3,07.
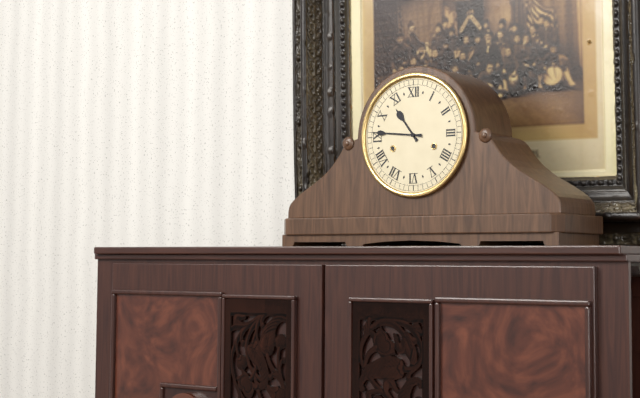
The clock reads 10,46
